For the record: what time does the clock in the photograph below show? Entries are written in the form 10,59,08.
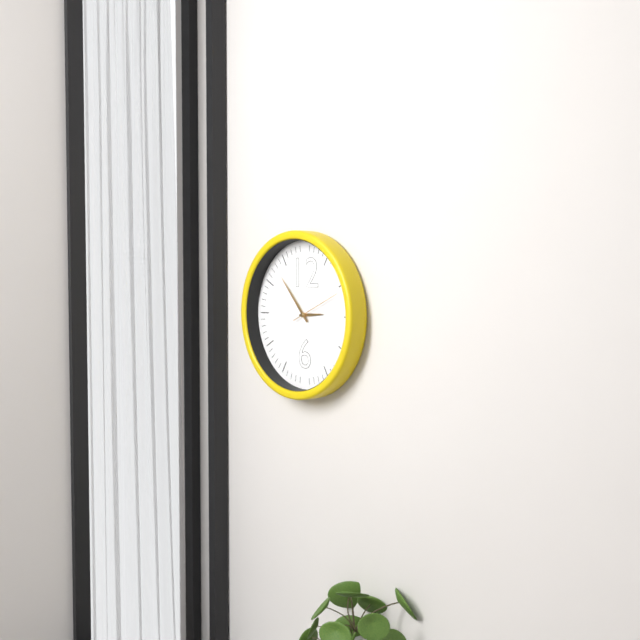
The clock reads 2,53,11
